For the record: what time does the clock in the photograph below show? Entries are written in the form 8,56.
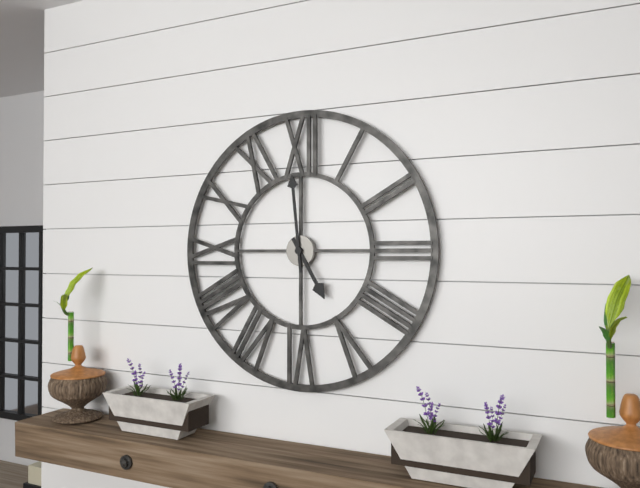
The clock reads 4,59
